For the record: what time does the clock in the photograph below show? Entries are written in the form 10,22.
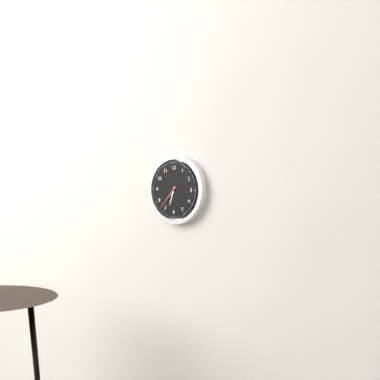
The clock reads 6,37
